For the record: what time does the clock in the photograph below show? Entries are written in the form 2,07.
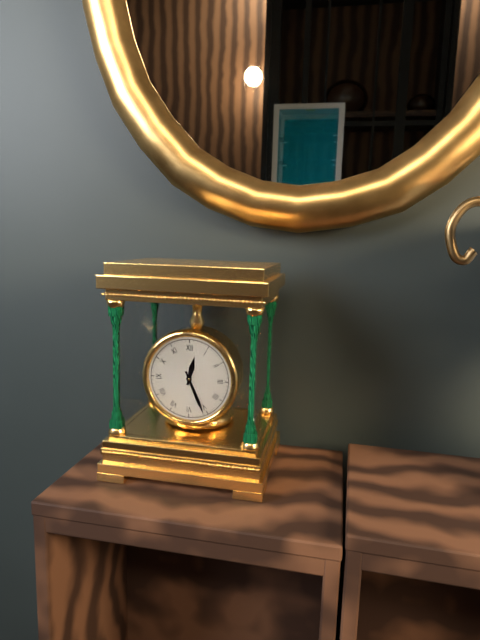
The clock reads 12,26
